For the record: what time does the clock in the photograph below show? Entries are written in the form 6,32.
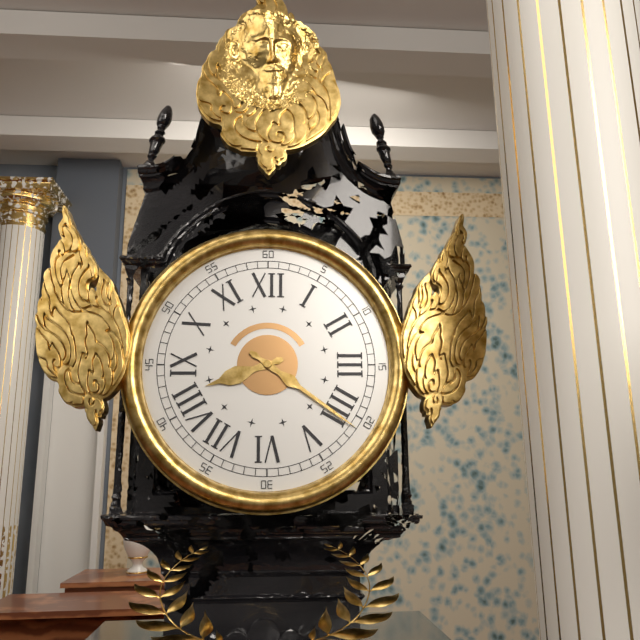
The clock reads 8,21
